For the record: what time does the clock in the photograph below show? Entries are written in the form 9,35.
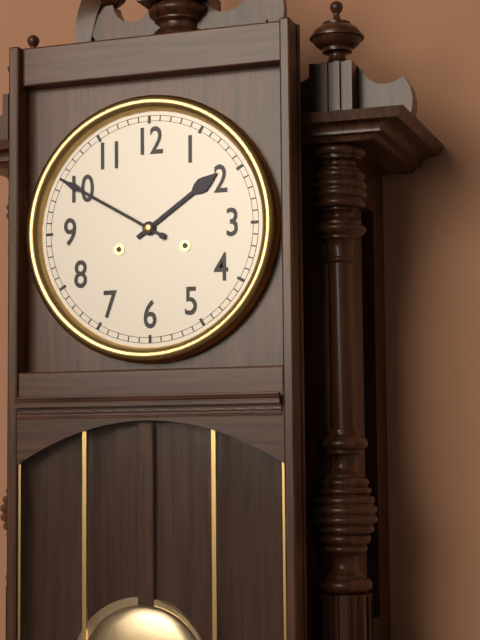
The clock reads 1,50
